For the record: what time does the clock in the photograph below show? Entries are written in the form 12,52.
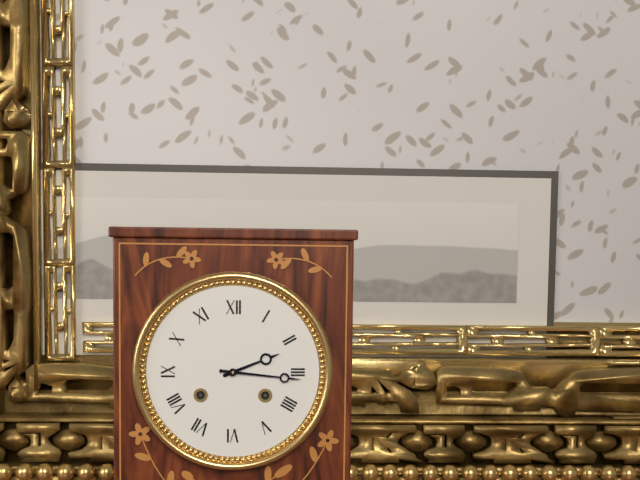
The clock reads 2,16
